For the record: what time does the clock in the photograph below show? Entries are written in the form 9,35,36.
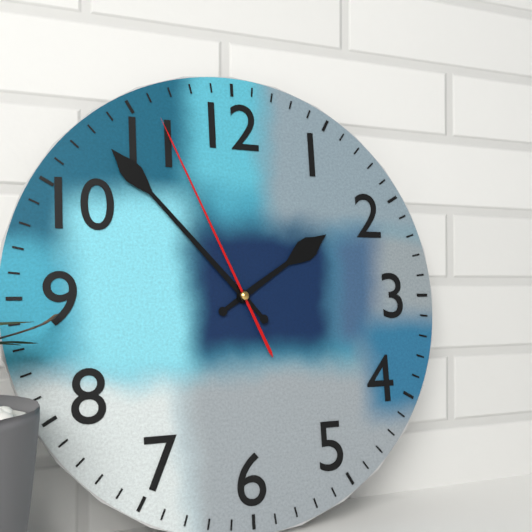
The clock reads 1,53,56
